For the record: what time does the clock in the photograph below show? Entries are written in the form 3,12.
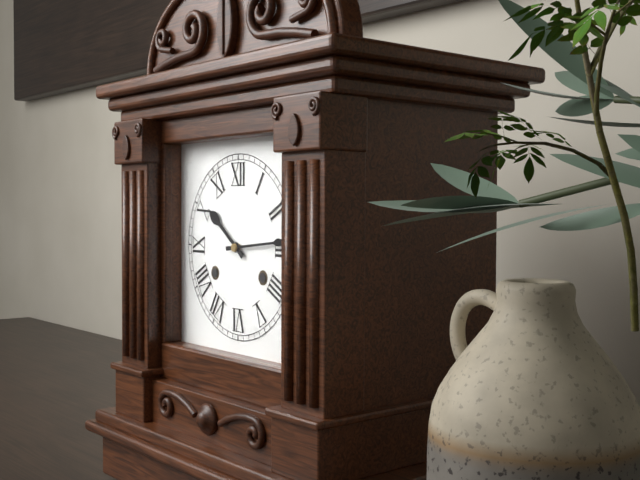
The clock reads 10,14
